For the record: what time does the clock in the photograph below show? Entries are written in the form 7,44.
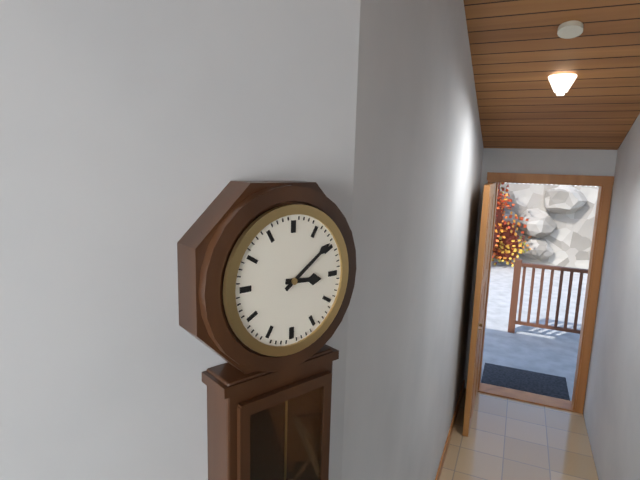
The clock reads 3,09
